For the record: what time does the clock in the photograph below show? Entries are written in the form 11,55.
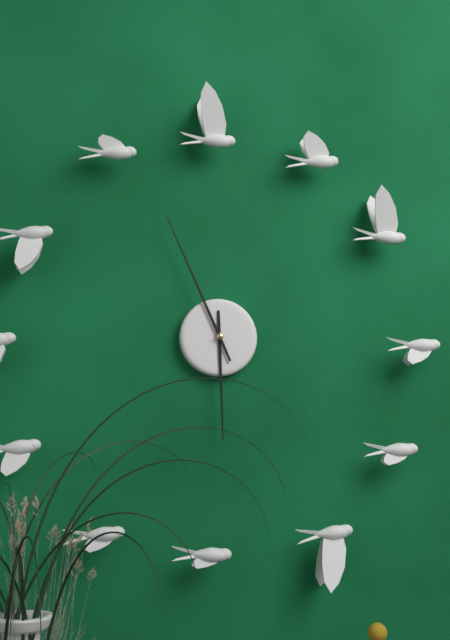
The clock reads 5,56
